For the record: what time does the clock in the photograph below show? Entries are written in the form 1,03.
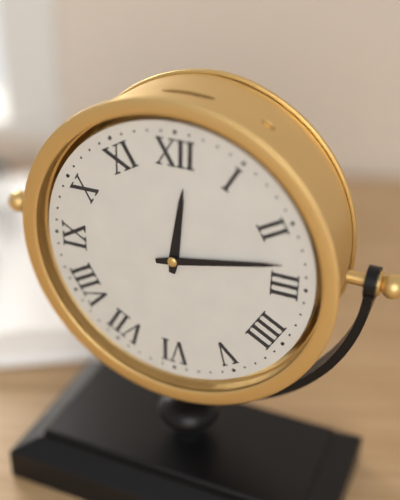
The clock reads 12,13
